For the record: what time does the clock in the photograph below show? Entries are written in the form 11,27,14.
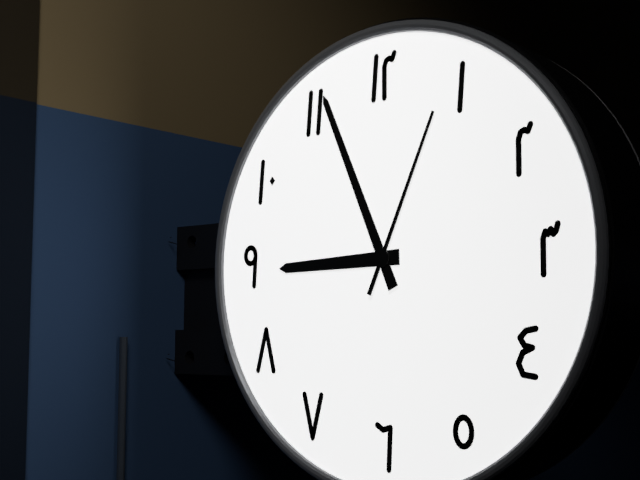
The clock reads 8,56,04
